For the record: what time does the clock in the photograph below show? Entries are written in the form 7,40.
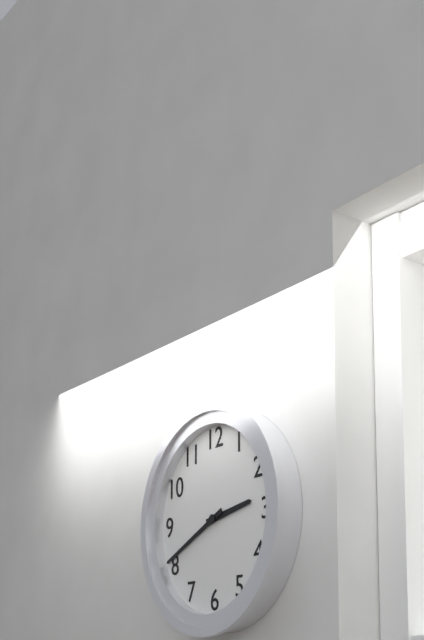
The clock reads 2,41
